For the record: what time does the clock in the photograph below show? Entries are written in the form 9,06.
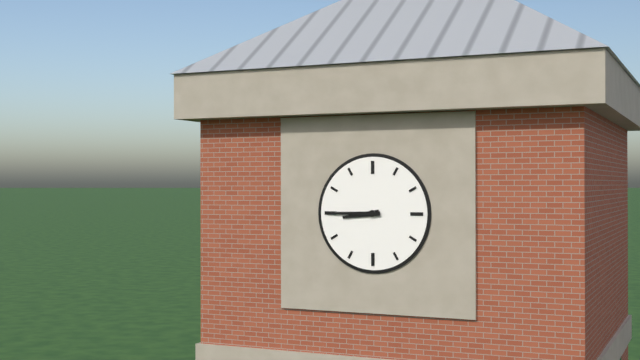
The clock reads 8,45
